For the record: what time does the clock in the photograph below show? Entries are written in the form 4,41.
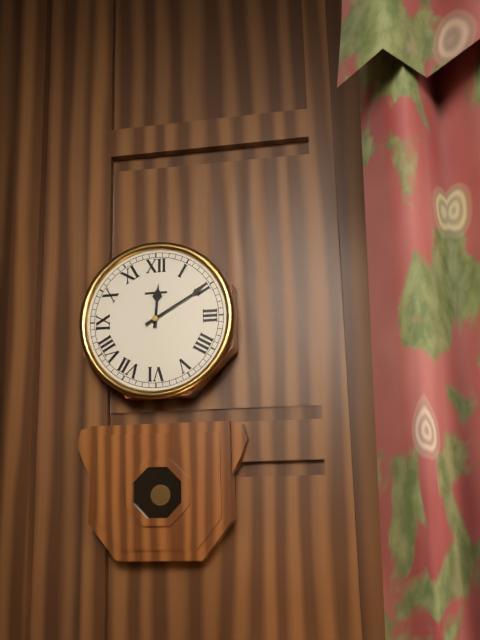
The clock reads 12,10
